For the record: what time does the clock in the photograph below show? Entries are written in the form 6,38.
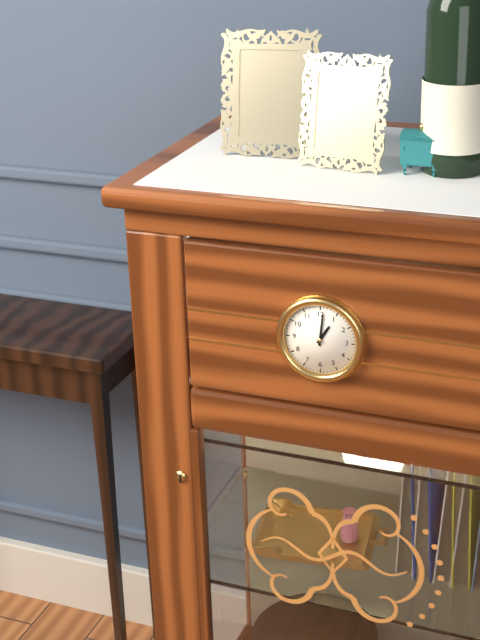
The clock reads 1,01
